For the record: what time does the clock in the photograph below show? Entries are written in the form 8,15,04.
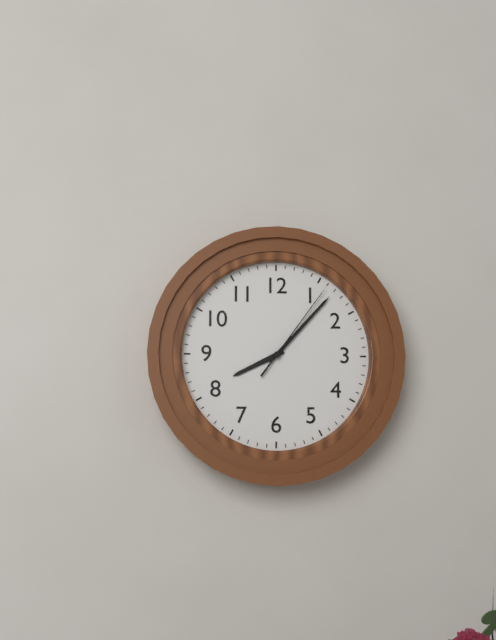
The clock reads 8,07,06
